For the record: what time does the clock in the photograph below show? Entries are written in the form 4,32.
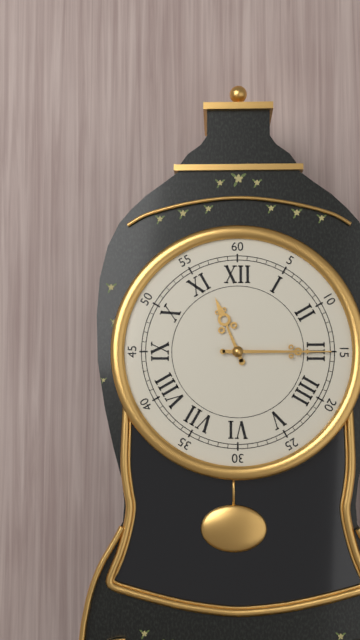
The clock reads 11,15
